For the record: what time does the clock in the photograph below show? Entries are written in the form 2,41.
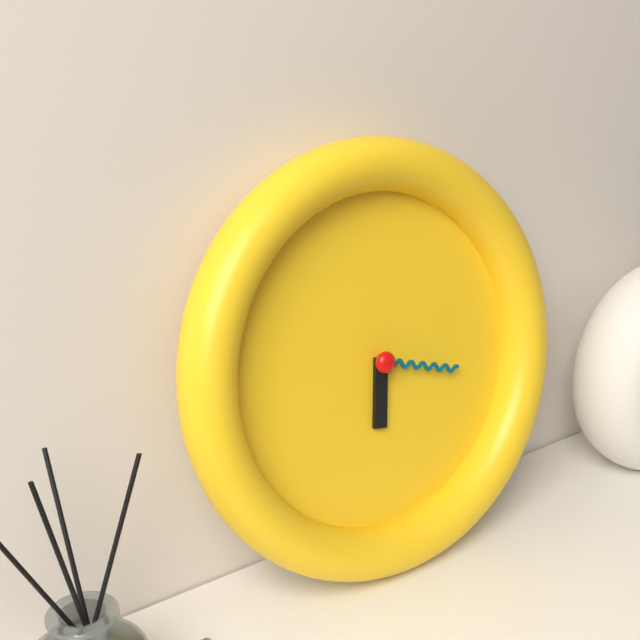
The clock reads 6,18
